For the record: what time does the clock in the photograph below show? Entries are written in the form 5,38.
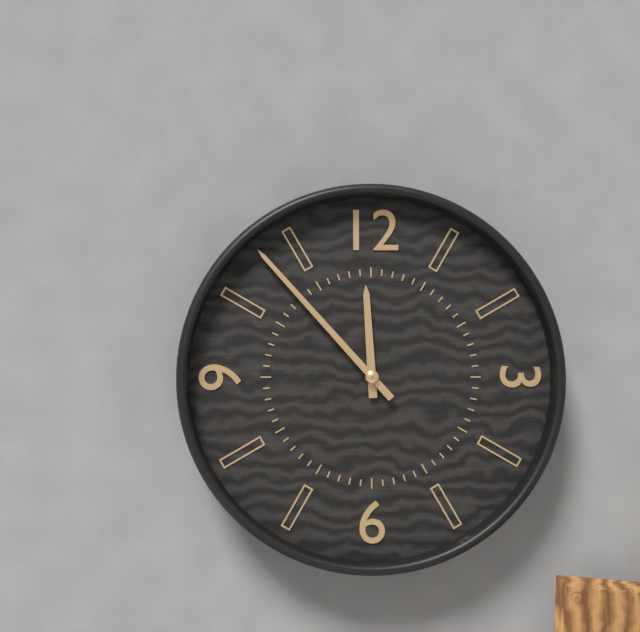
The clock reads 11,53
